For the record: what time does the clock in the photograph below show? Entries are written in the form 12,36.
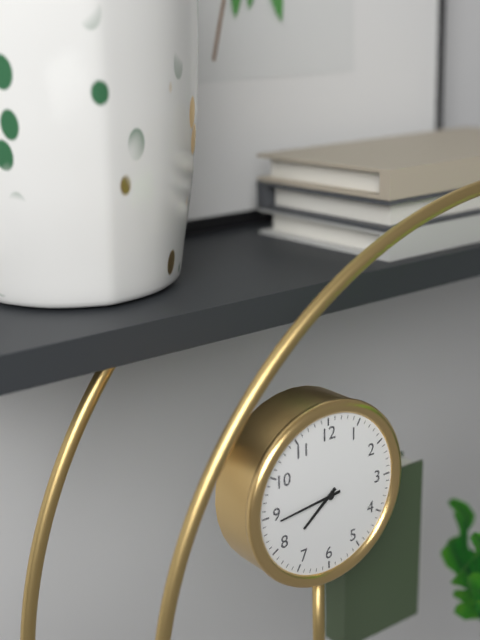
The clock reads 7,44
